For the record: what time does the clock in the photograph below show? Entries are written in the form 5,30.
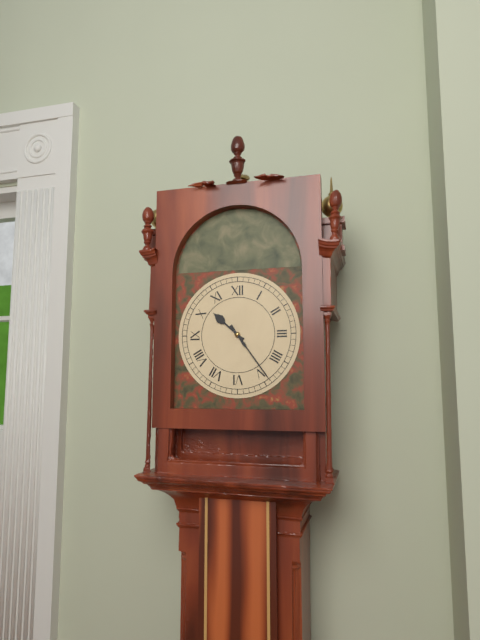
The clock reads 10,24
